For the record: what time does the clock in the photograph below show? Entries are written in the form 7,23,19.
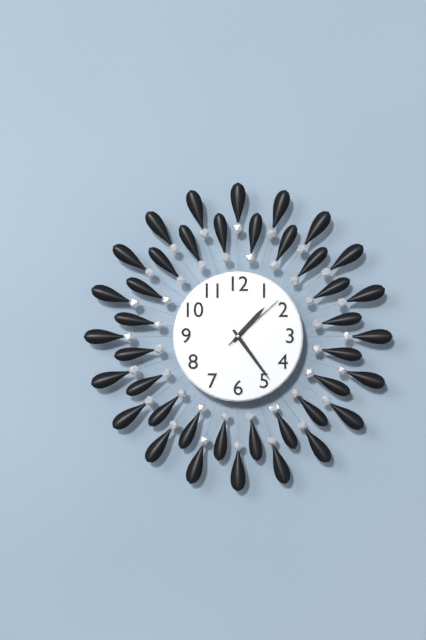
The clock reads 1,24,08
